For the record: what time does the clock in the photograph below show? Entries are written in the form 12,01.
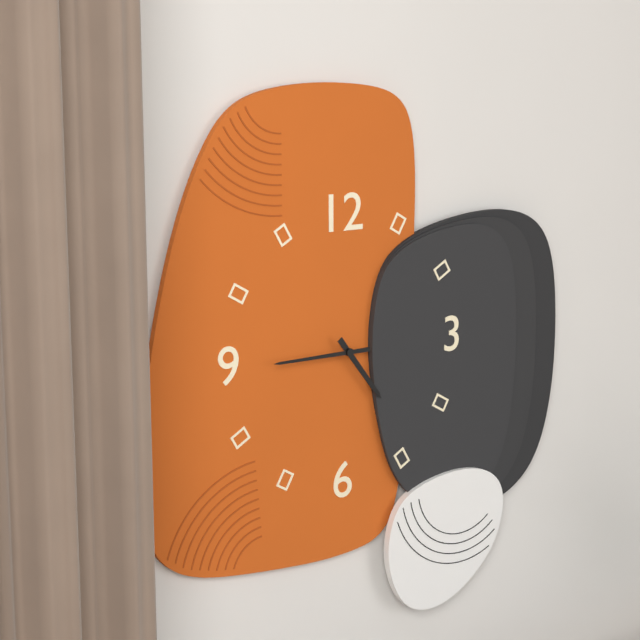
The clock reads 4,45
